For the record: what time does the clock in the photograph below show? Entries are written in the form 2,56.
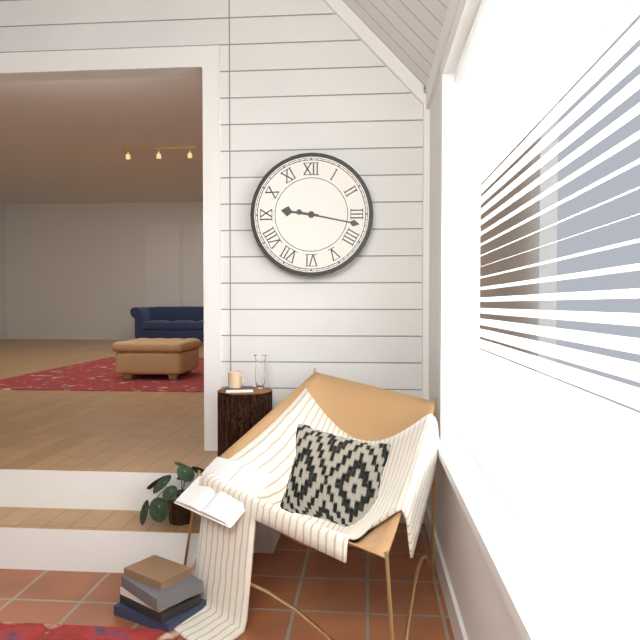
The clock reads 9,17
